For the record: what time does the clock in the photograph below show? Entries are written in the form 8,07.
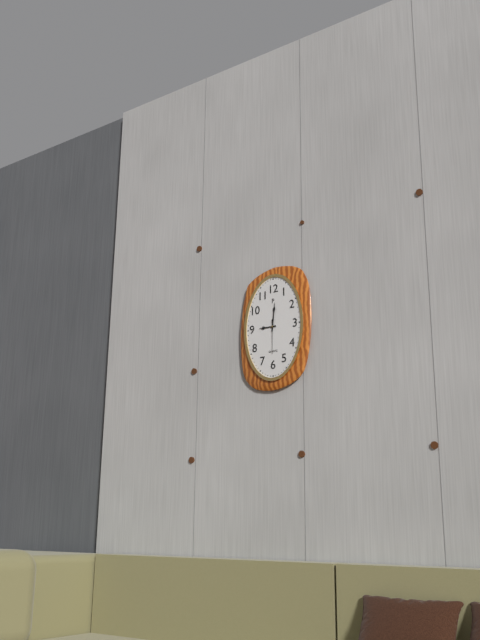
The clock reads 9,01
